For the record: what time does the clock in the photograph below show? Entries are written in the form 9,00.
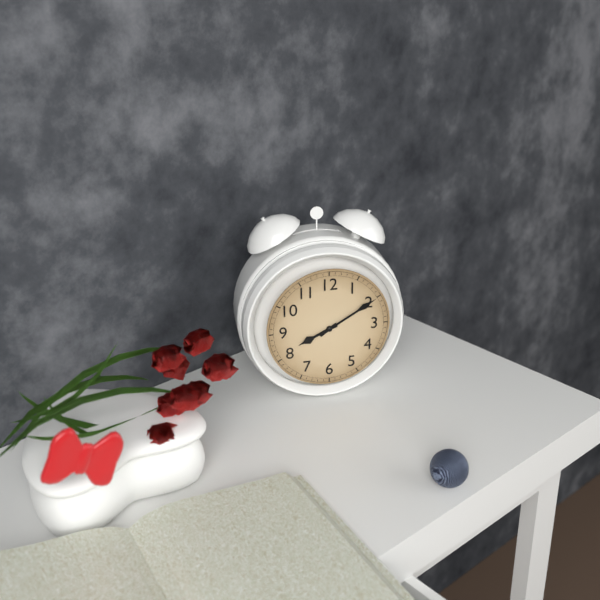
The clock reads 8,10
